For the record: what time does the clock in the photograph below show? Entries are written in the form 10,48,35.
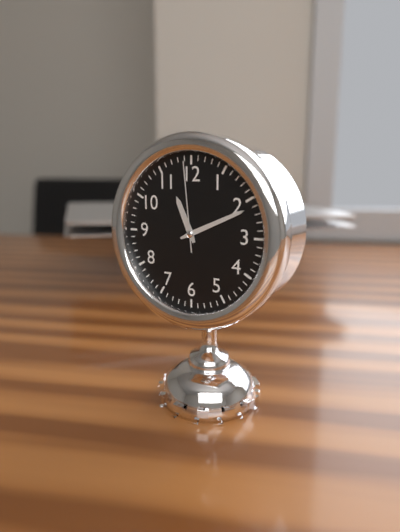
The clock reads 11,11,59
